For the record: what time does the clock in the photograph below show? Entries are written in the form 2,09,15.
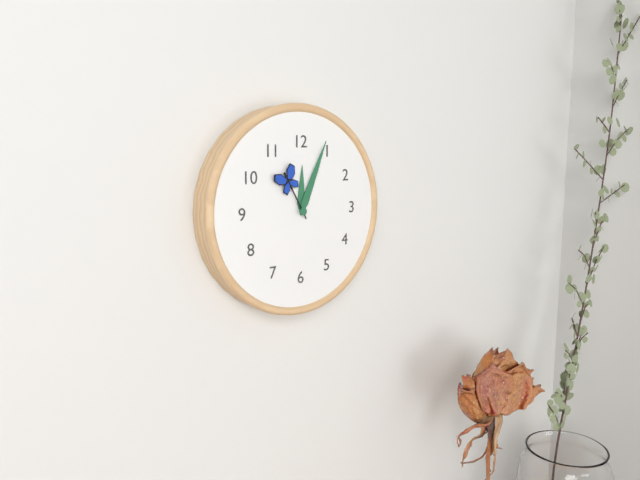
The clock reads 12,04,55
